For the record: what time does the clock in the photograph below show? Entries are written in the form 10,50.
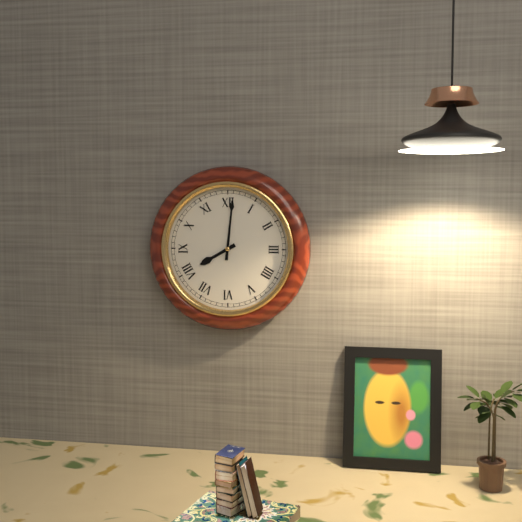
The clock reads 8,01
